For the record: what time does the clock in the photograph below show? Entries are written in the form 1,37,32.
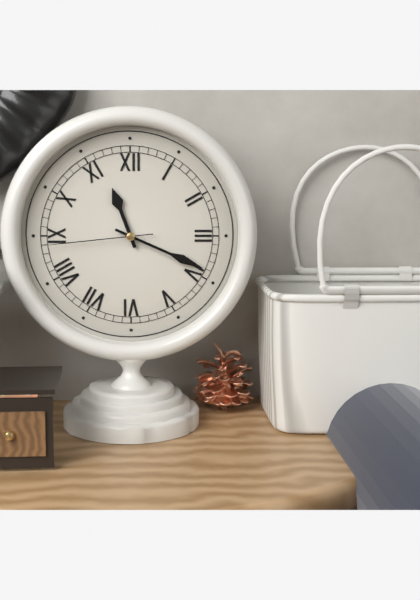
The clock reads 11,19,44
